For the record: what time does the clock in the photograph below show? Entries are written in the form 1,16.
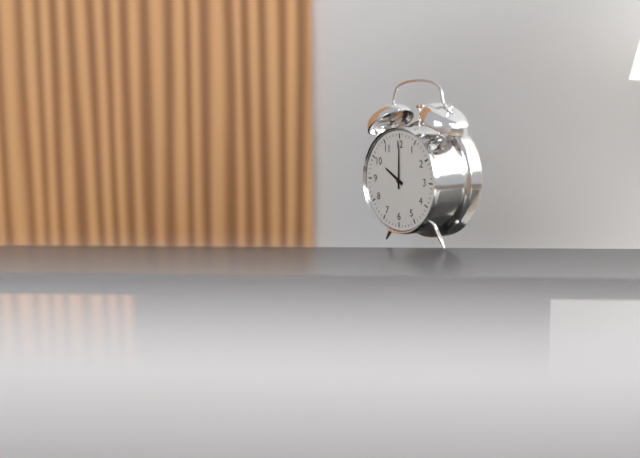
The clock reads 10,00
